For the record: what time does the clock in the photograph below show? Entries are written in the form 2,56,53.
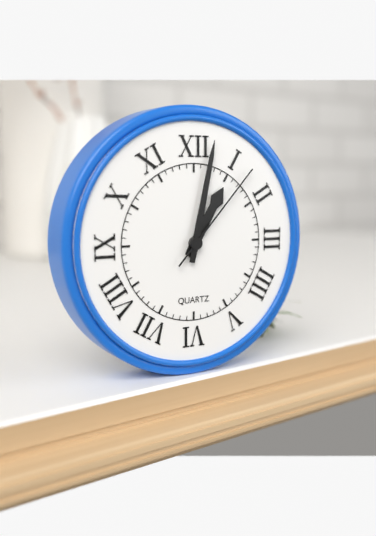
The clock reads 1,02,07
